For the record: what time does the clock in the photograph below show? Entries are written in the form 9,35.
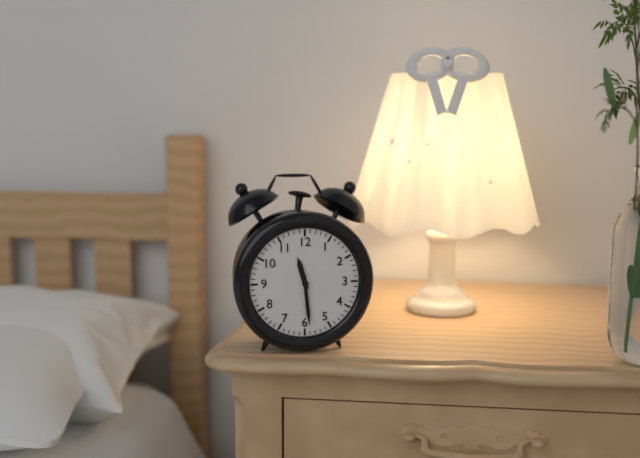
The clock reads 11,29
